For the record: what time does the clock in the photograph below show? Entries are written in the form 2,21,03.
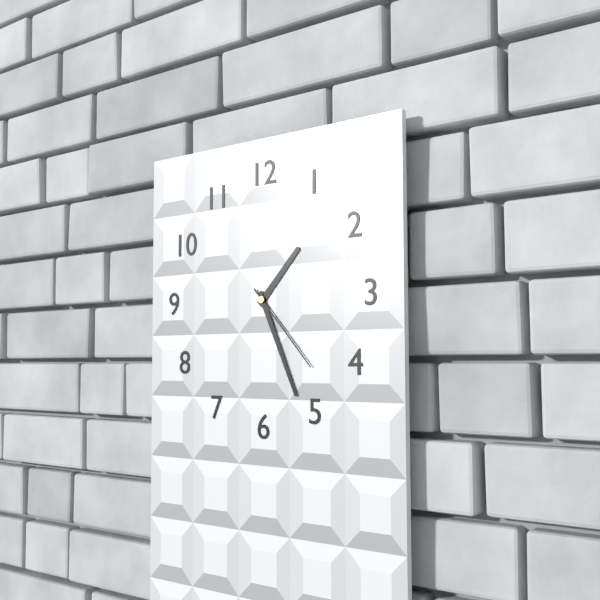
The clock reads 1,26,23
